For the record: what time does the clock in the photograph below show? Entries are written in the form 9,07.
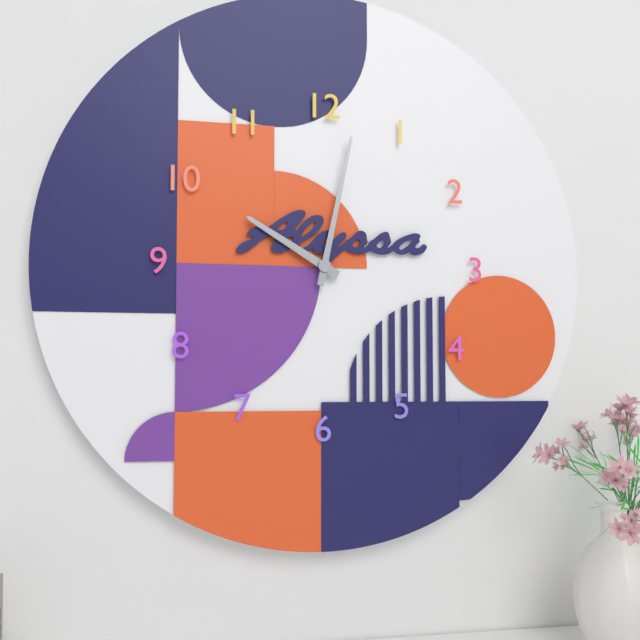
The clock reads 10,02
